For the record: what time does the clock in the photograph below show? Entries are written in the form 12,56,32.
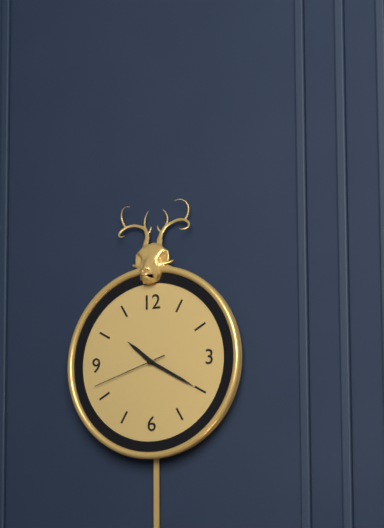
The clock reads 10,20,42
